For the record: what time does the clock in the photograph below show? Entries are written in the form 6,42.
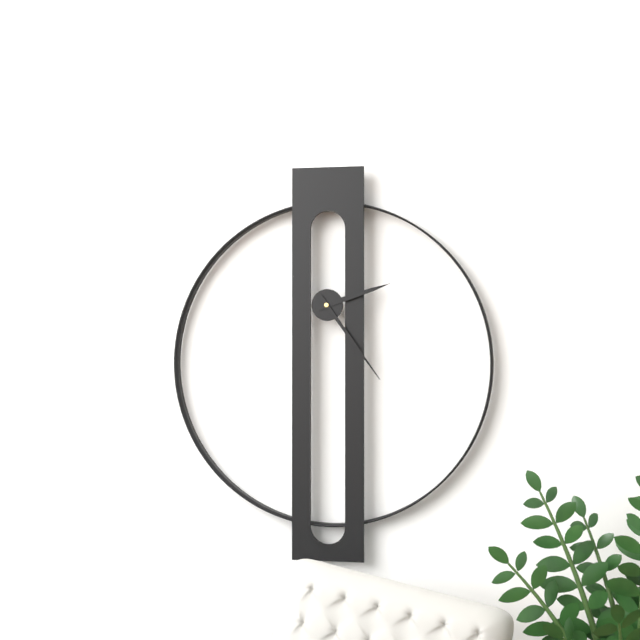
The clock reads 2,24
